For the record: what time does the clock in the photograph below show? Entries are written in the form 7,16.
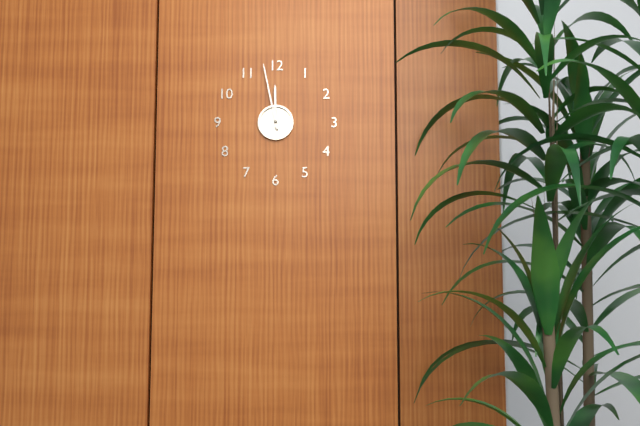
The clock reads 11,58
